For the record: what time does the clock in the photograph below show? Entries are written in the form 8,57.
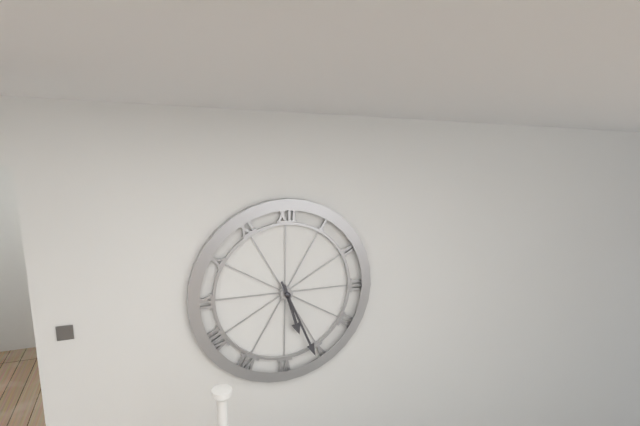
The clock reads 5,26
